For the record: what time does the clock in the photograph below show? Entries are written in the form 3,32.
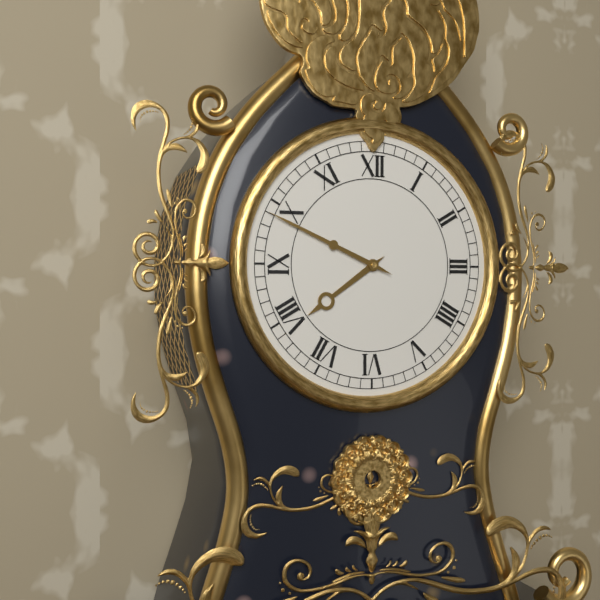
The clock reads 7,49
